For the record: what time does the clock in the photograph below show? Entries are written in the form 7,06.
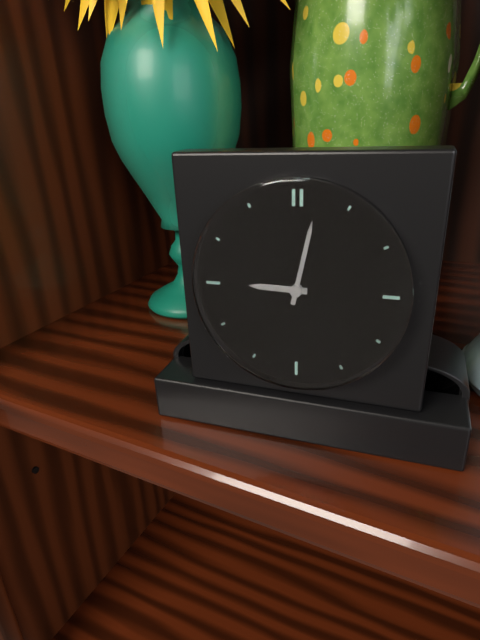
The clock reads 9,02
